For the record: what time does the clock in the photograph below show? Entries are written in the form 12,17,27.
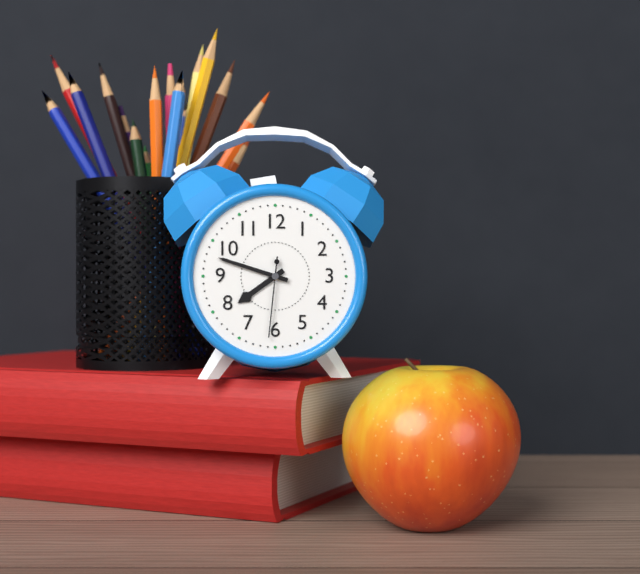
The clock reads 7,48,31
